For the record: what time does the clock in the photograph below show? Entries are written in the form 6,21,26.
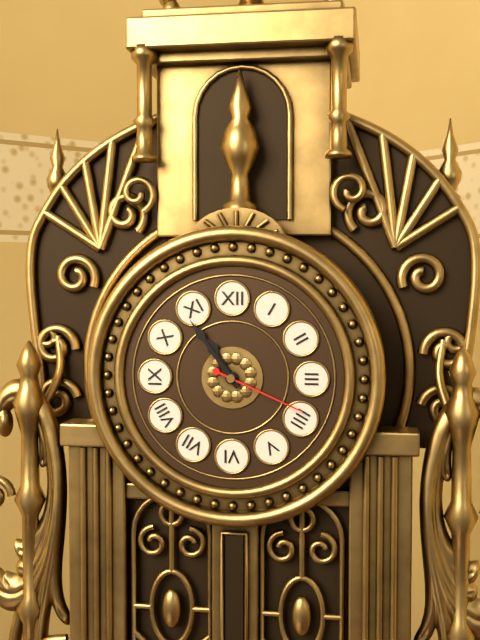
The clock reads 10,54,19
